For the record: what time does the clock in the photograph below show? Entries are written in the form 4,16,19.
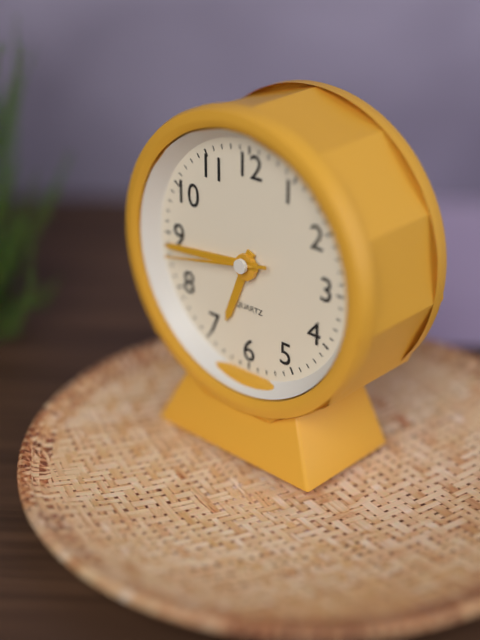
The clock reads 6,44,43
